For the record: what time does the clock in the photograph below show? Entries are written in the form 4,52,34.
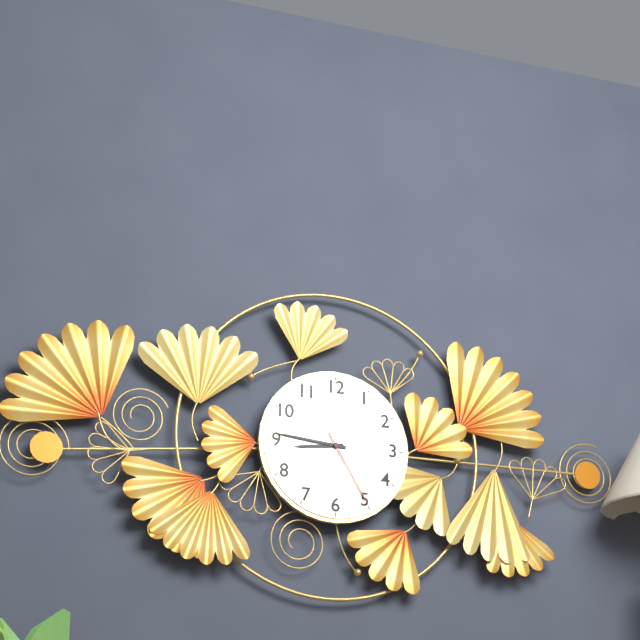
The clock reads 8,46,25
